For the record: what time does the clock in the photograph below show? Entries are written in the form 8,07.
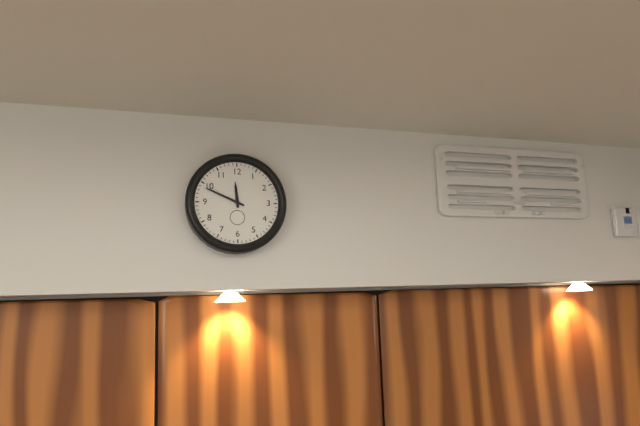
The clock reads 11,49
